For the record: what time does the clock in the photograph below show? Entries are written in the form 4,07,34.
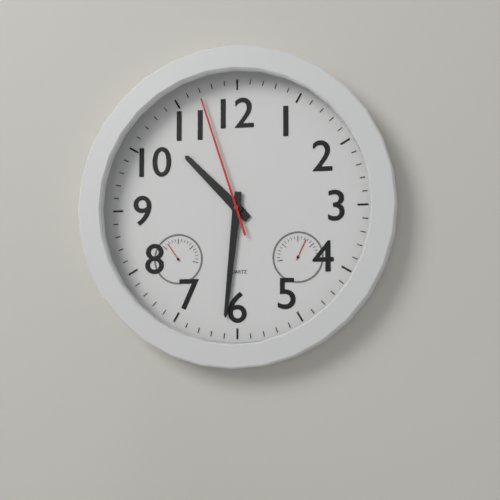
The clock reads 10,31,57
